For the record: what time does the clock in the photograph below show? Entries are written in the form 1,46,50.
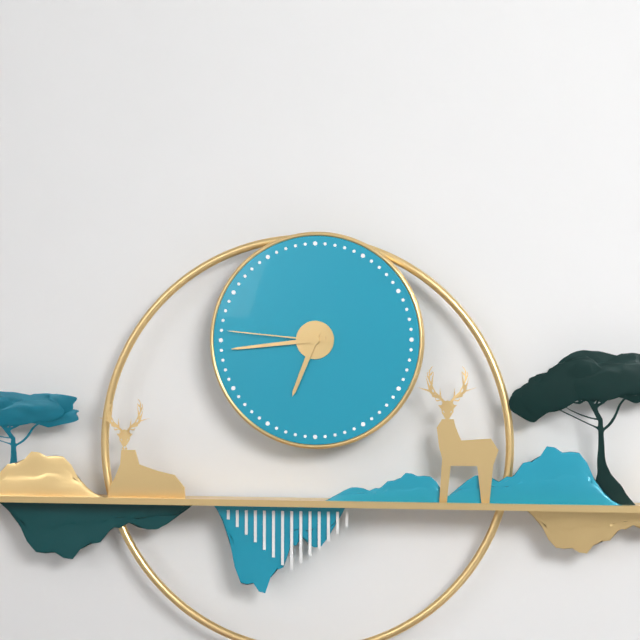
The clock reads 6,44,46
